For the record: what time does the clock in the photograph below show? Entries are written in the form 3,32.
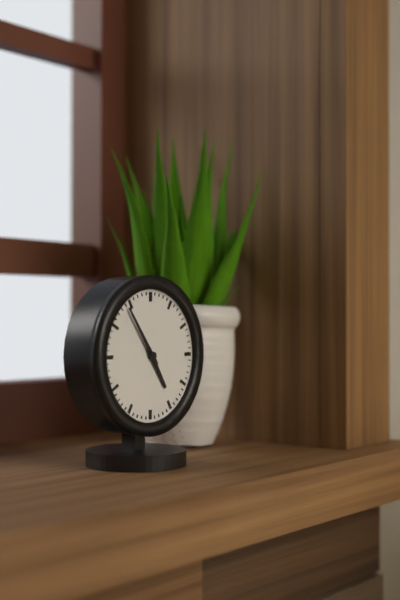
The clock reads 4,54
